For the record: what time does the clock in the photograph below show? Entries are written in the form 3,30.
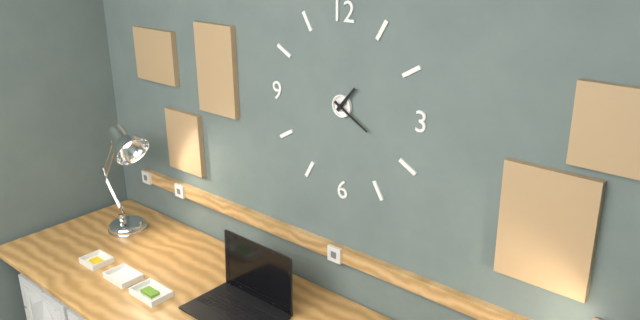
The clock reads 1,20
